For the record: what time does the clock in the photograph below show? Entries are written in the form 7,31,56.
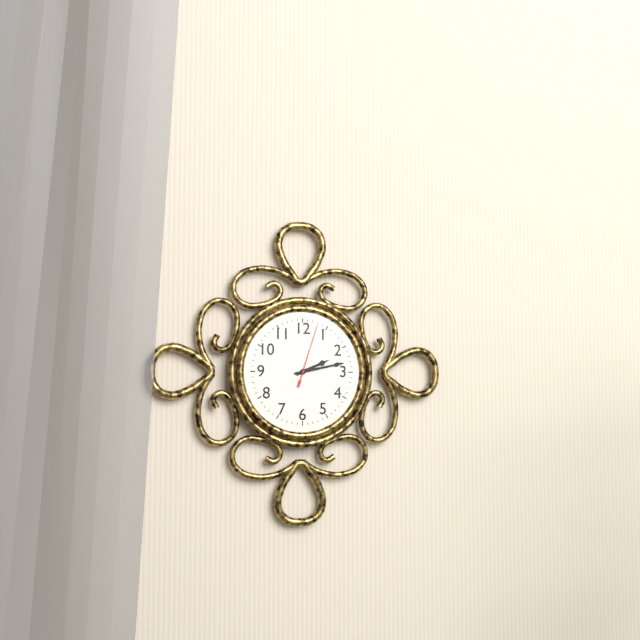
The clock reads 2,13,03
